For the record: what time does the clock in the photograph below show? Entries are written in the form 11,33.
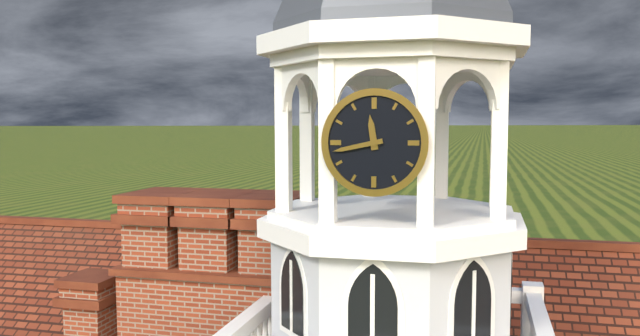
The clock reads 11,43
